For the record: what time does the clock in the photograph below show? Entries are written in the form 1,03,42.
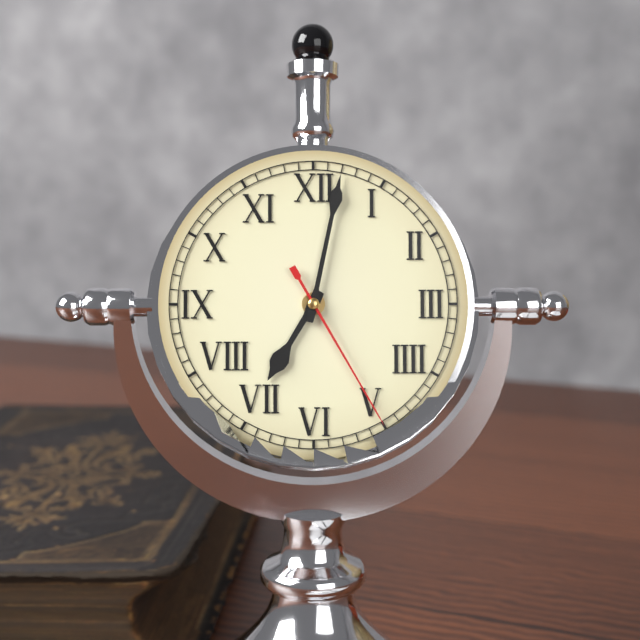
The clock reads 7,02,25
